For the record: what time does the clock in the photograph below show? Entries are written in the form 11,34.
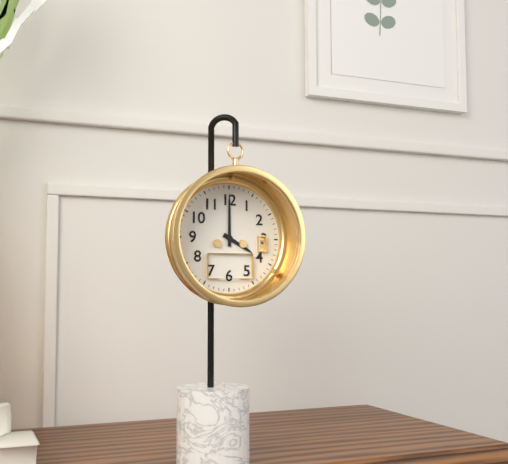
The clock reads 4,00
